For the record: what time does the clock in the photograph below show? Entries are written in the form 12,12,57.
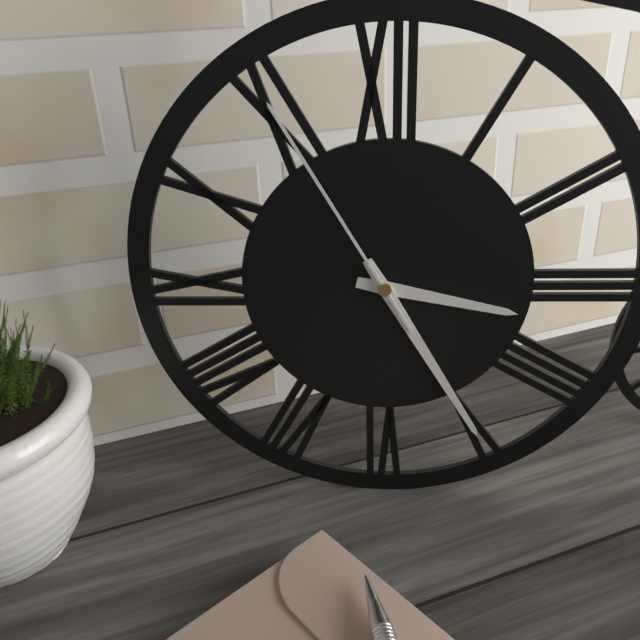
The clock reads 3,25,55
